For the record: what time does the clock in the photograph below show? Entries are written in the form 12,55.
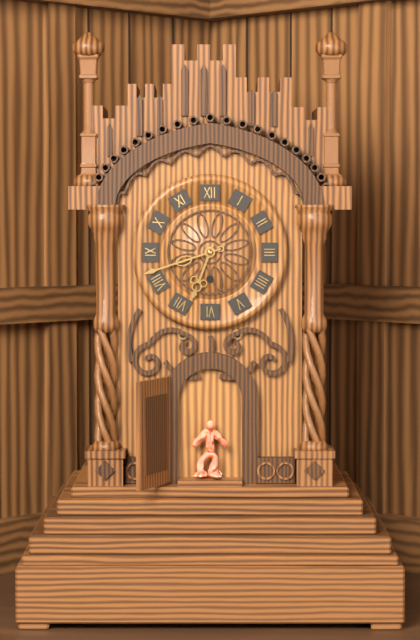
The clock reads 6,42
